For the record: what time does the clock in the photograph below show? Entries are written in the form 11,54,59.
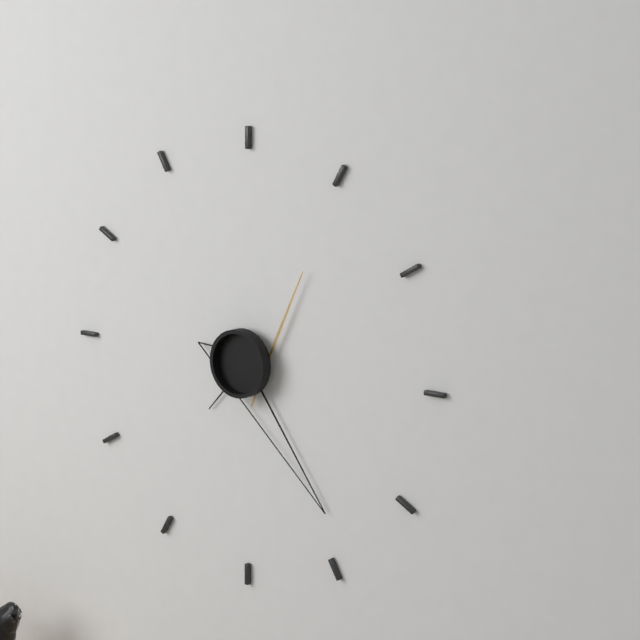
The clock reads 7,24,06
